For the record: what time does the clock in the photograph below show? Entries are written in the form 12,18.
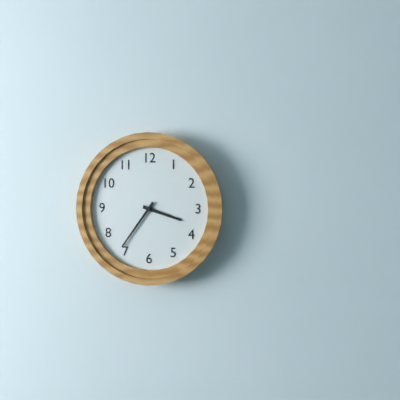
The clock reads 3,36
